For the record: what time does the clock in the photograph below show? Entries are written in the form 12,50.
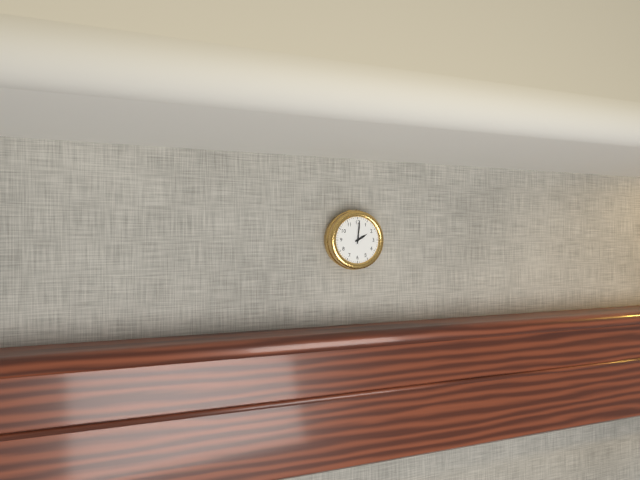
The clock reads 2,01
